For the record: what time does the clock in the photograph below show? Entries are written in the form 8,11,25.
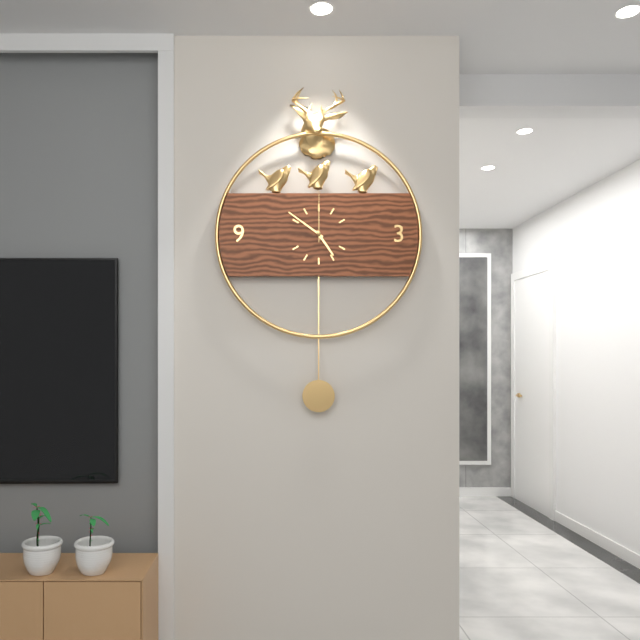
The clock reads 4,51,00
